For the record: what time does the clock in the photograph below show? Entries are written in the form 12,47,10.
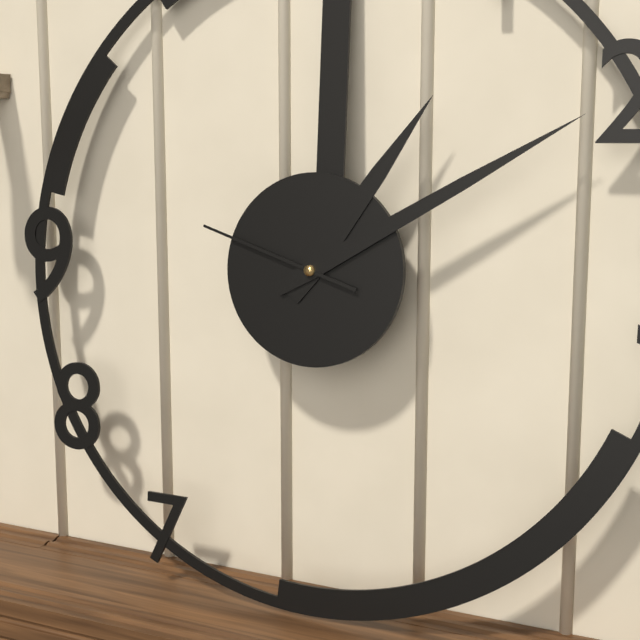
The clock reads 1,10,48
